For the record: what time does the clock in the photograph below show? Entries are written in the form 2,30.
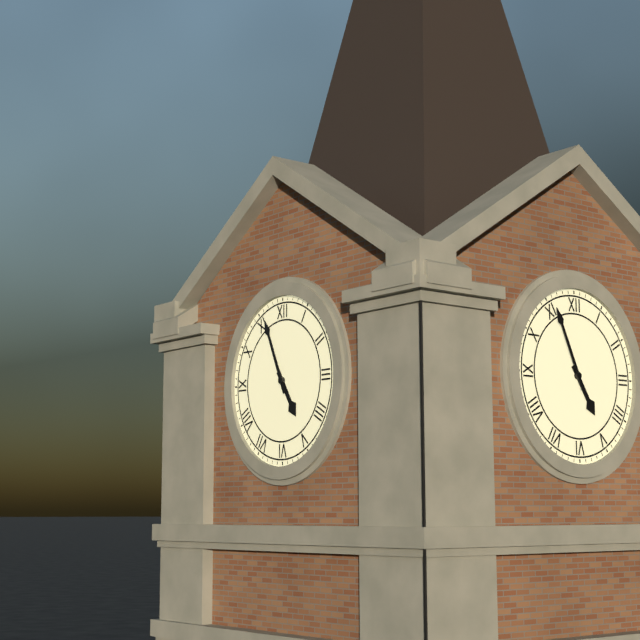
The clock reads 4,56
